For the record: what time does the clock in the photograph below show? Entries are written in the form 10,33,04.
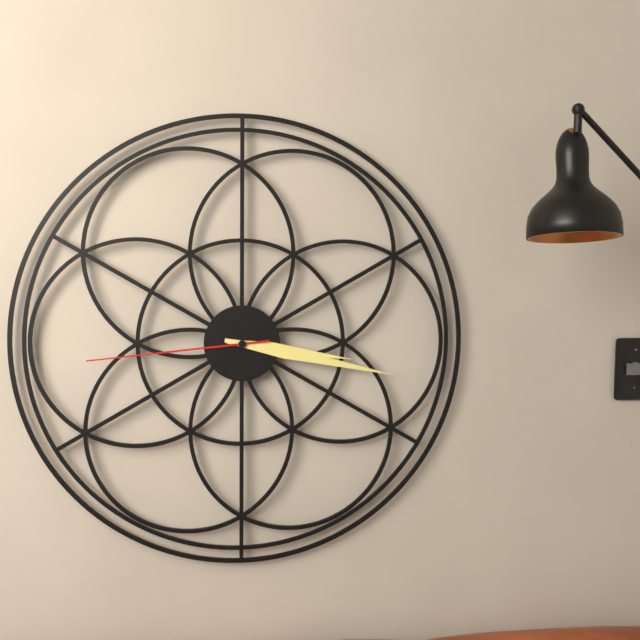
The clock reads 3,17,44
